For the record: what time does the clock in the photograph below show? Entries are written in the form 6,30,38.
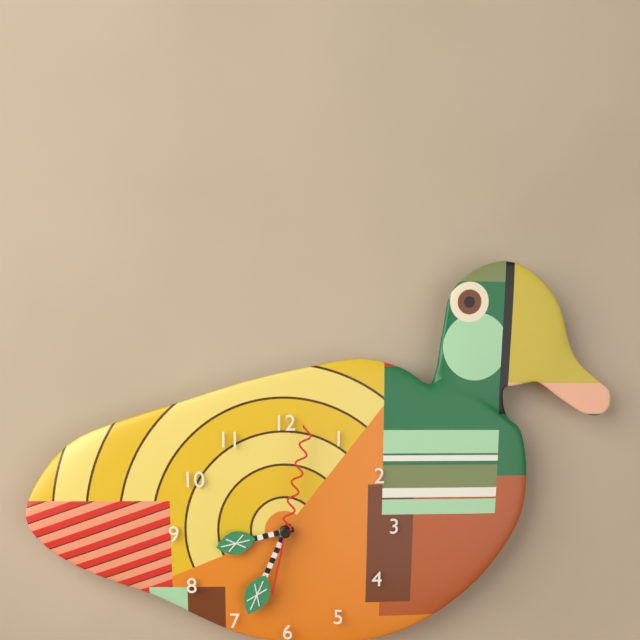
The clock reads 8,34,02
